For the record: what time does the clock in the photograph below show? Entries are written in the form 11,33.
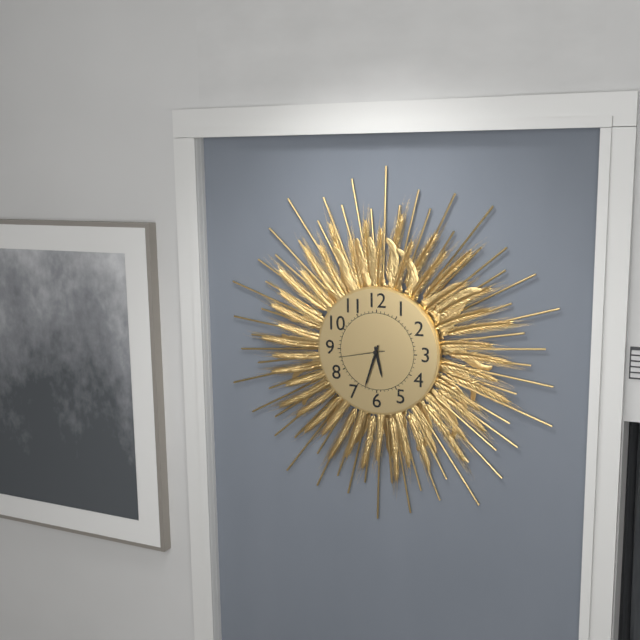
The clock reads 5,33
